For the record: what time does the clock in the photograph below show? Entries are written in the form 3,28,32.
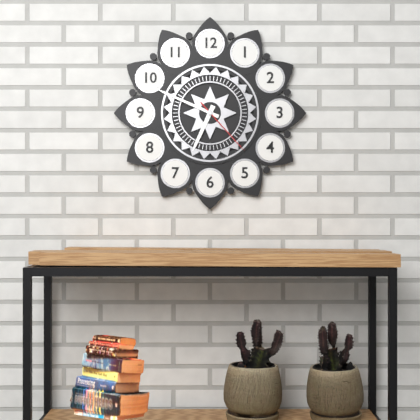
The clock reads 6,49,23
